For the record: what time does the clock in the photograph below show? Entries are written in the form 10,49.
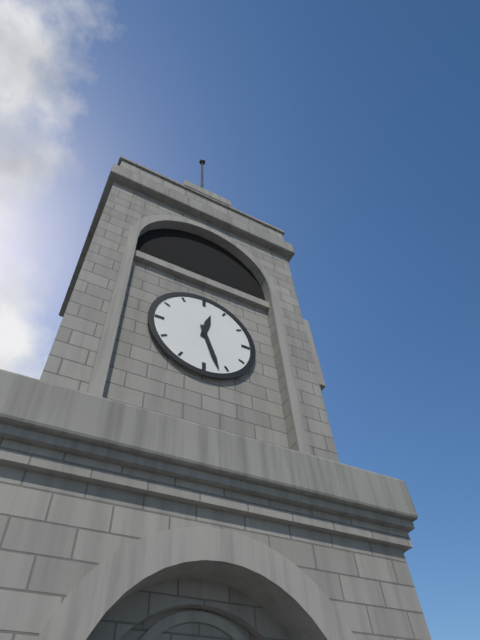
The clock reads 12,27
